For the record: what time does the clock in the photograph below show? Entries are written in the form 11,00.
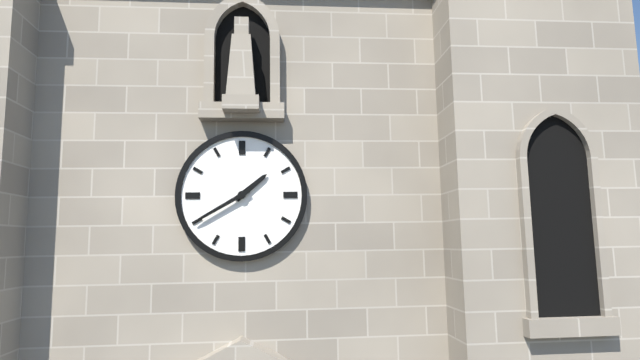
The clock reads 1,40
